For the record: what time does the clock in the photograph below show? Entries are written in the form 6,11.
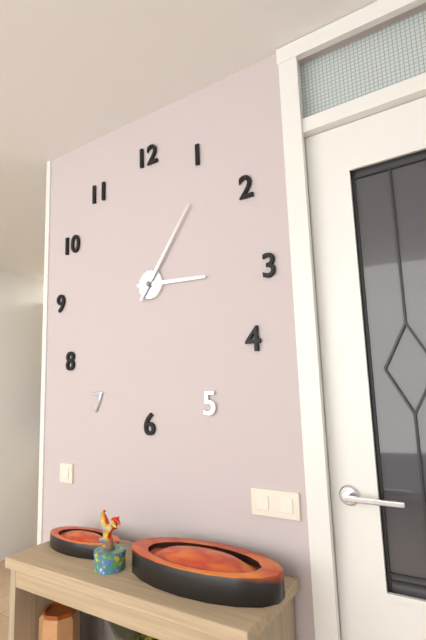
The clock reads 3,06
